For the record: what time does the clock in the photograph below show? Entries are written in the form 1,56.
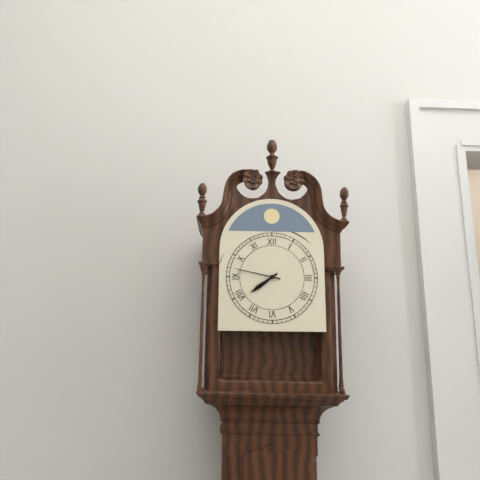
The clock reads 7,47
